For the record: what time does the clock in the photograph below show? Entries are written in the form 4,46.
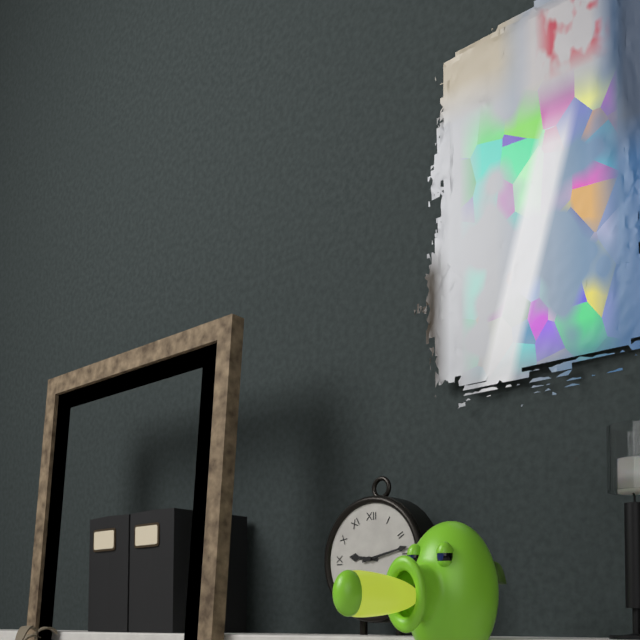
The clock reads 9,13
